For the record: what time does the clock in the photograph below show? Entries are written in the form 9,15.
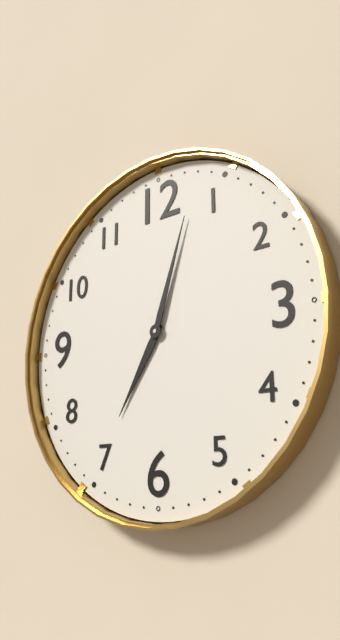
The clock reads 7,03
